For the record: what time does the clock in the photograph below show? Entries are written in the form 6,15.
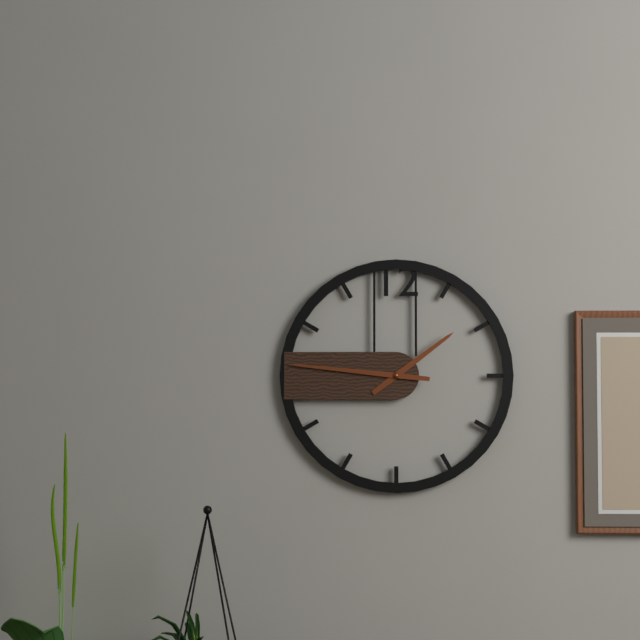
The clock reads 1,46
